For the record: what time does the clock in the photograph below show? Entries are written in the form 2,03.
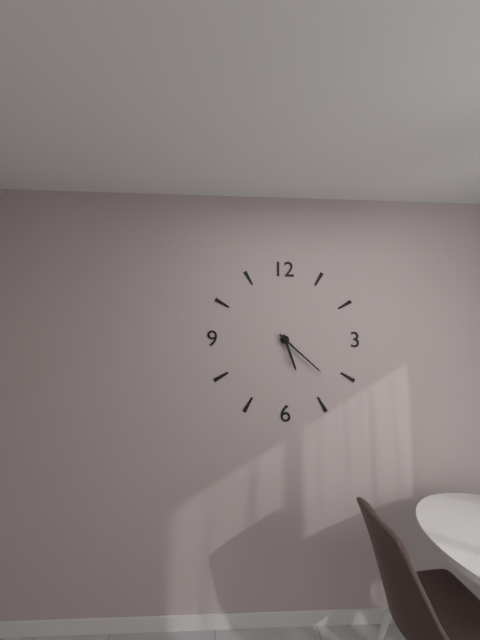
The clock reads 5,22
